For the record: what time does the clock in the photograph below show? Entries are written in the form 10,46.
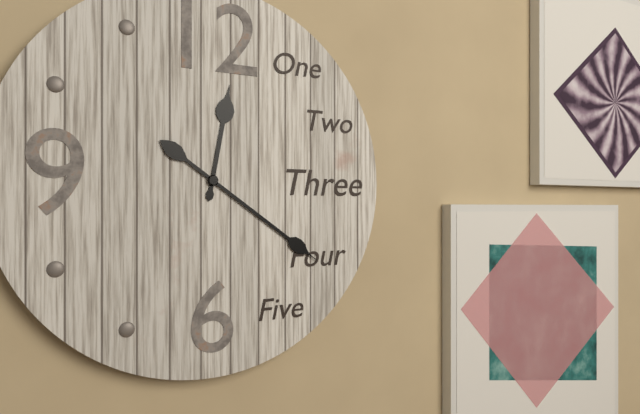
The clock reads 12,21
